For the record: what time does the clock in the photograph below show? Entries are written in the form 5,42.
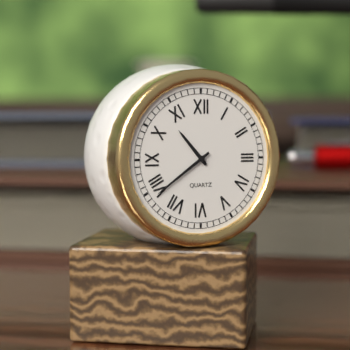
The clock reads 10,39
